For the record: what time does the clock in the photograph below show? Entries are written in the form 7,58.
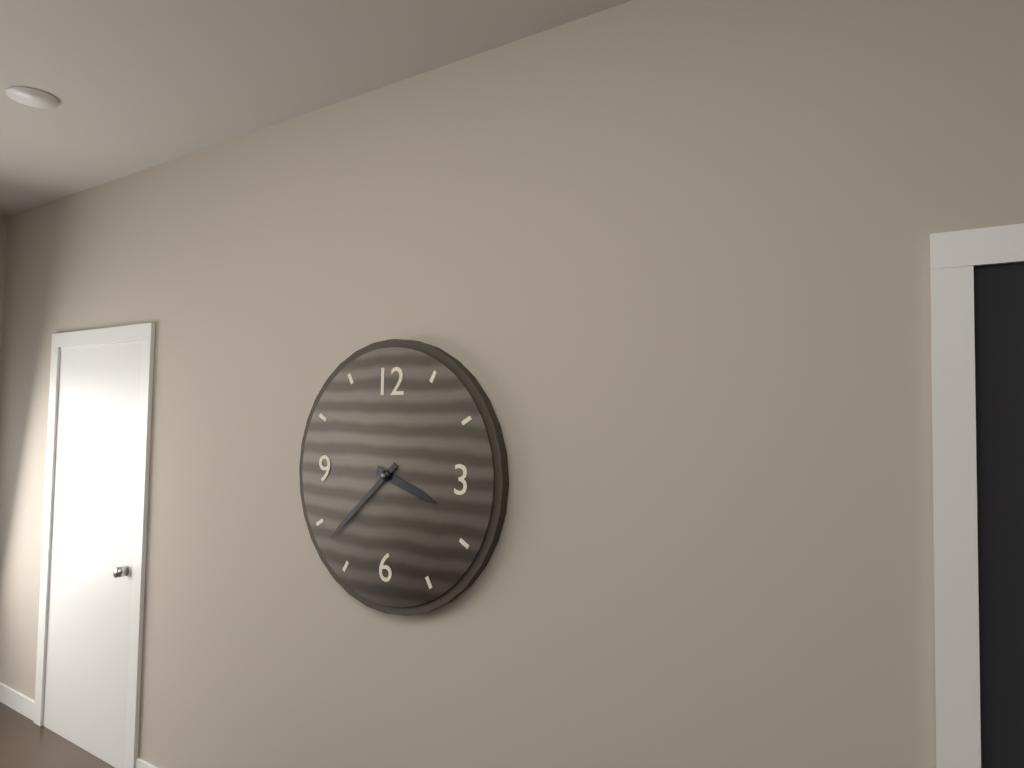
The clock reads 3,38
